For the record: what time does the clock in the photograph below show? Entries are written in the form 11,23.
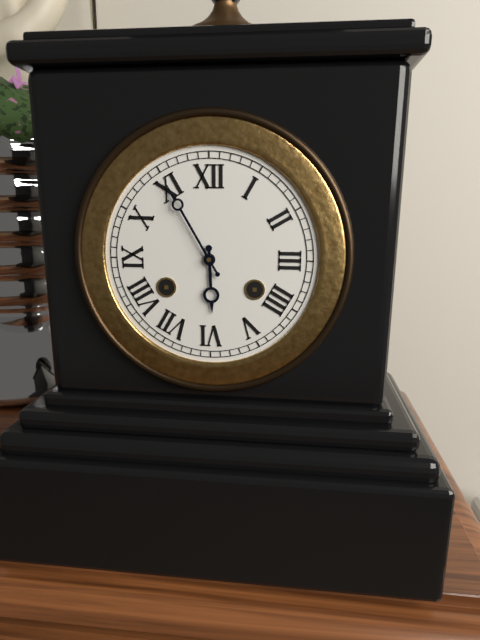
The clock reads 5,55
